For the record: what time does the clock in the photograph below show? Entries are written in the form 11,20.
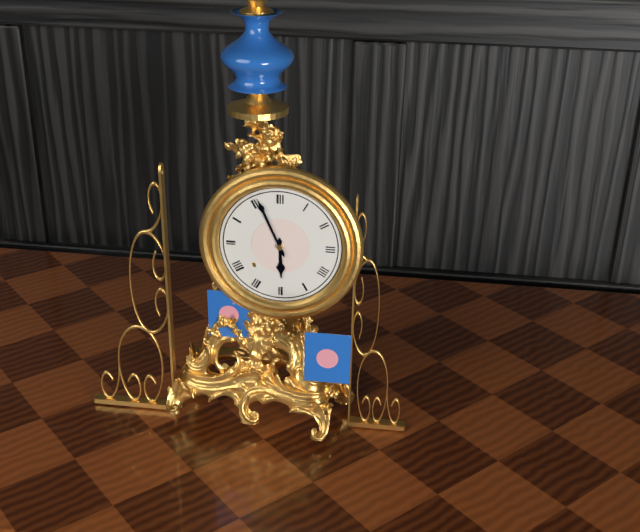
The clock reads 5,56
